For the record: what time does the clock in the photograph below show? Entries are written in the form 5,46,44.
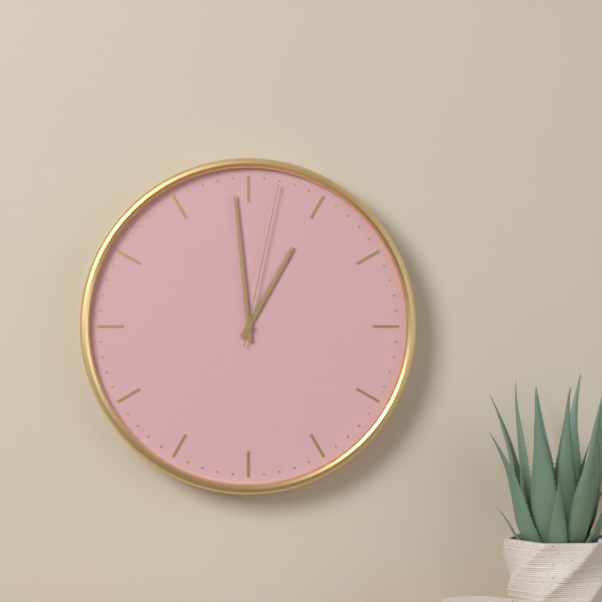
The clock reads 12,59,02
